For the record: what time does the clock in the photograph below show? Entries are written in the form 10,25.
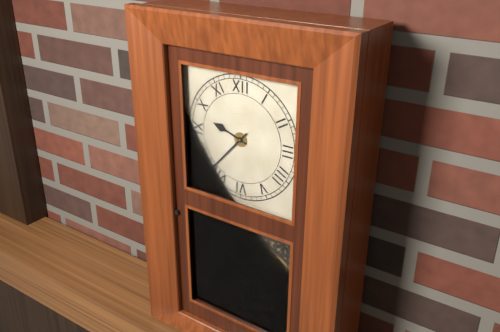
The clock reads 9,37
